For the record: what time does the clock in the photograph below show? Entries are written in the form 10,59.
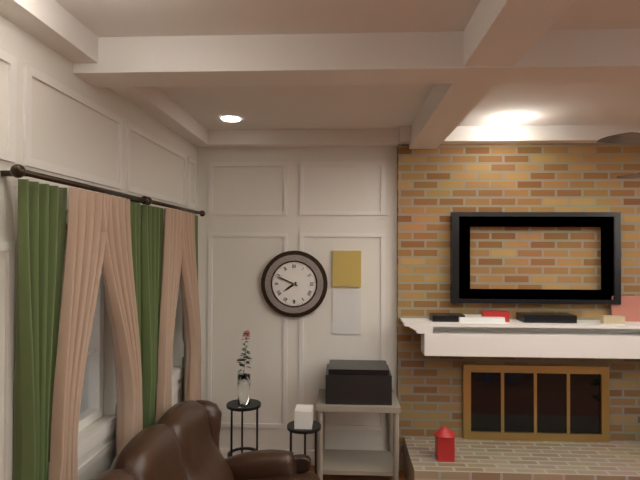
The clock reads 7,49
